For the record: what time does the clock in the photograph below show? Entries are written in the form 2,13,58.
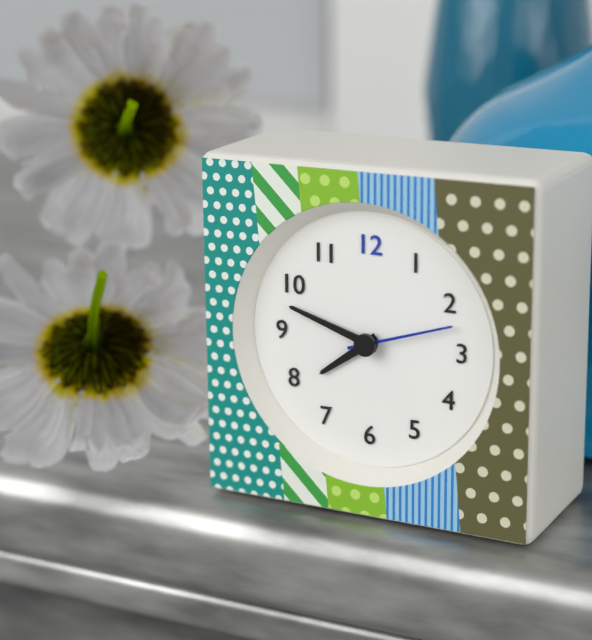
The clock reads 7,48,12
